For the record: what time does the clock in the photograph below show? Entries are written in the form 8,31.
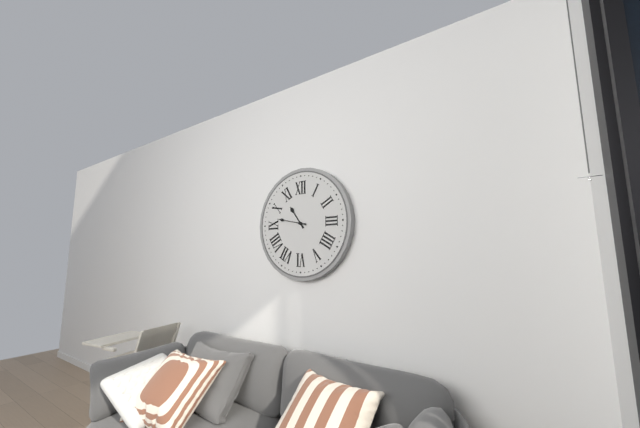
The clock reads 10,47
